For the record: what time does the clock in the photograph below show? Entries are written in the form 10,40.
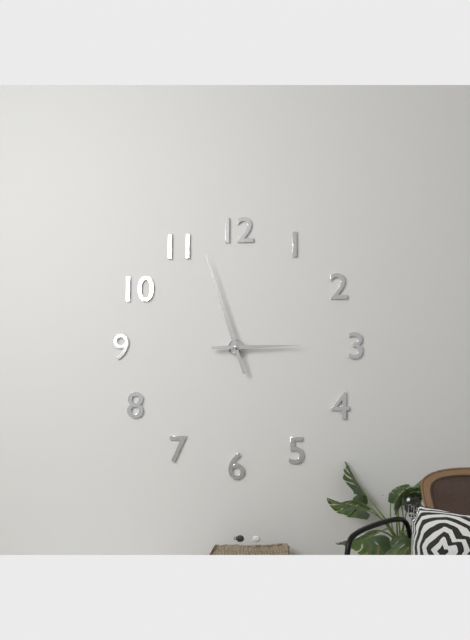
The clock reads 2,57
